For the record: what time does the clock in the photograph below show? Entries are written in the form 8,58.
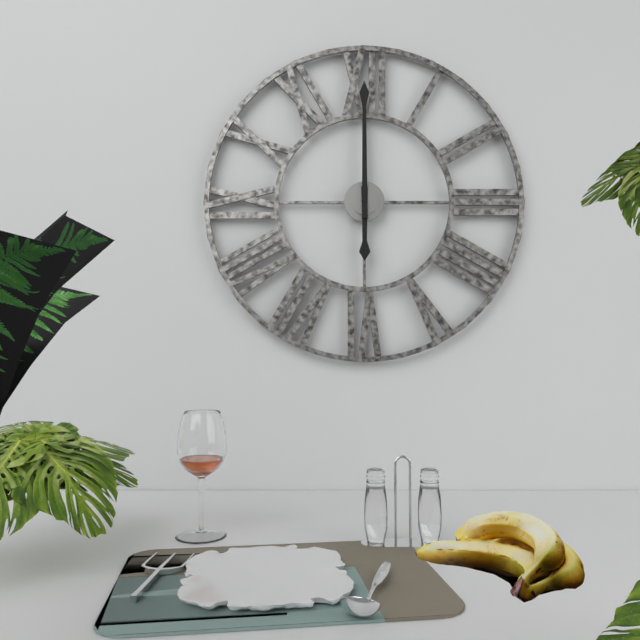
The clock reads 6,00
